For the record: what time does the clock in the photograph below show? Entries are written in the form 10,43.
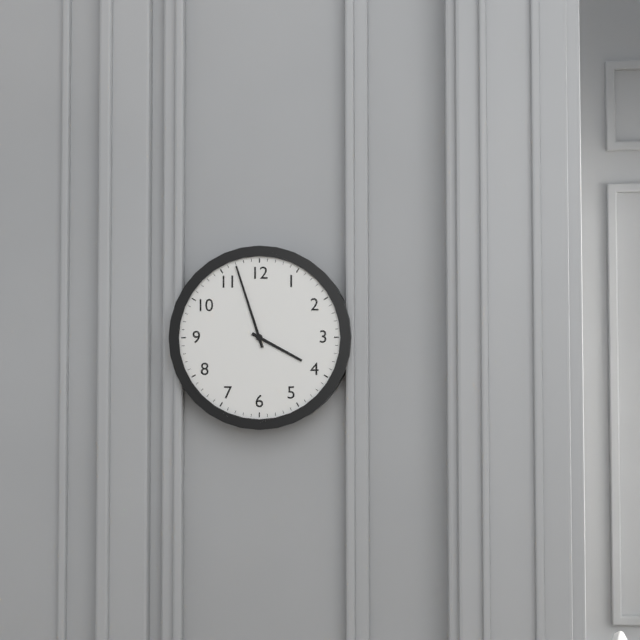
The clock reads 3,57
